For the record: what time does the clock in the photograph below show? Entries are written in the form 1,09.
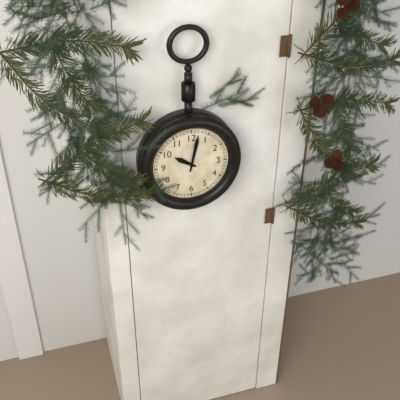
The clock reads 10,02
